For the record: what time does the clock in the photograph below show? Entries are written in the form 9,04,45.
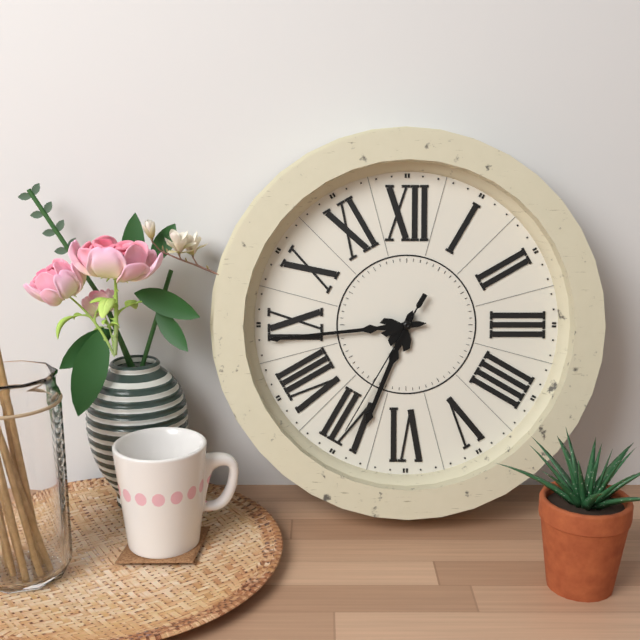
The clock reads 6,44,35
